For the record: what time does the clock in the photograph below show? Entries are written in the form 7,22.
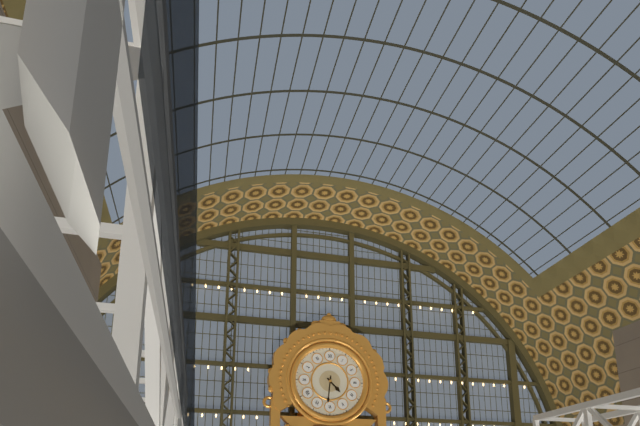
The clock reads 4,31
